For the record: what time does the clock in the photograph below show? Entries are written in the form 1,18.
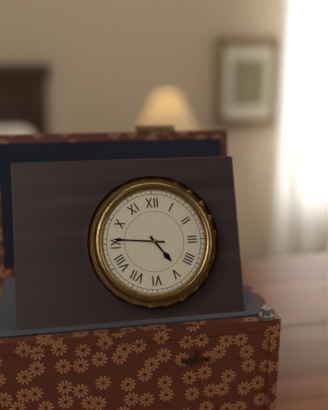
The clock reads 4,46
